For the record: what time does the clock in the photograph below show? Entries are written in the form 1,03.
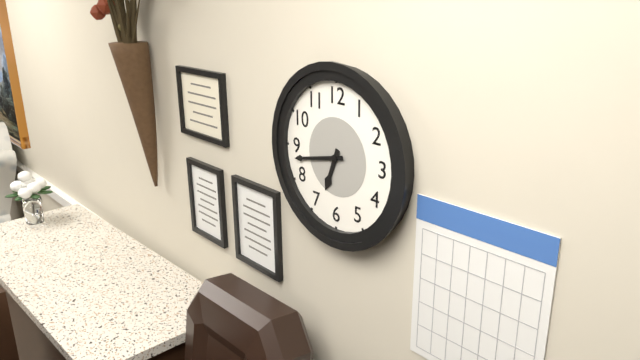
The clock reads 6,43
